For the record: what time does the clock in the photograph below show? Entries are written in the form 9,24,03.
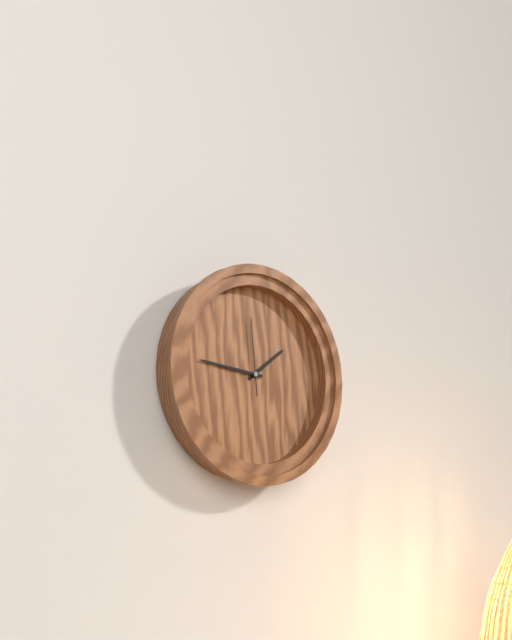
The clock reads 1,46,59
